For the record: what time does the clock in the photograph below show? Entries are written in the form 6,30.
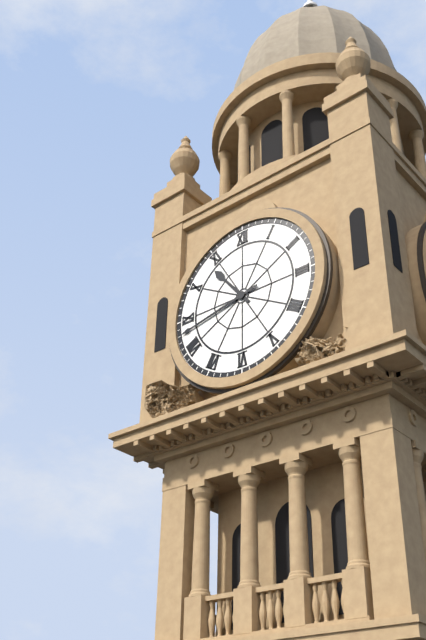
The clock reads 10,43
